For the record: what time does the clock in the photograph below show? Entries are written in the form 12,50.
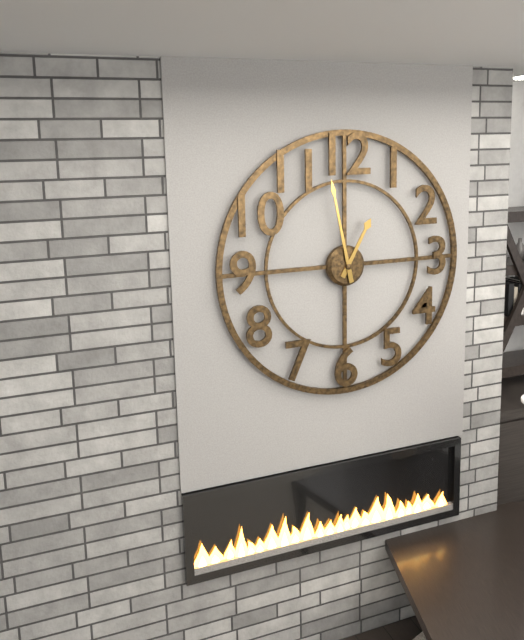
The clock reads 12,58
